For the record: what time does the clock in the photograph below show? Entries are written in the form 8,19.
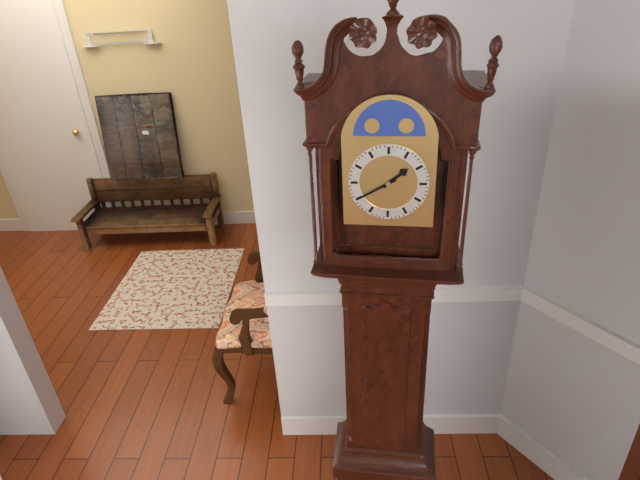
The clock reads 1,40
